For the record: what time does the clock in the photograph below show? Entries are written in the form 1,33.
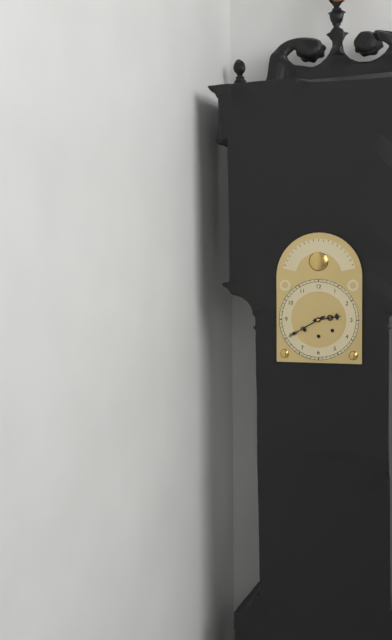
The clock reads 2,40
